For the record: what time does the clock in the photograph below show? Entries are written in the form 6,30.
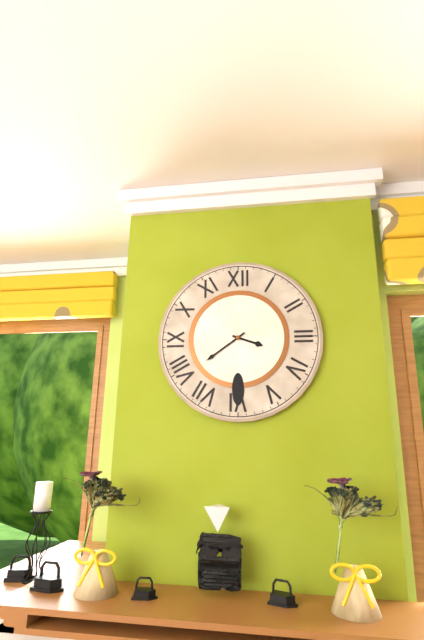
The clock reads 3,39
